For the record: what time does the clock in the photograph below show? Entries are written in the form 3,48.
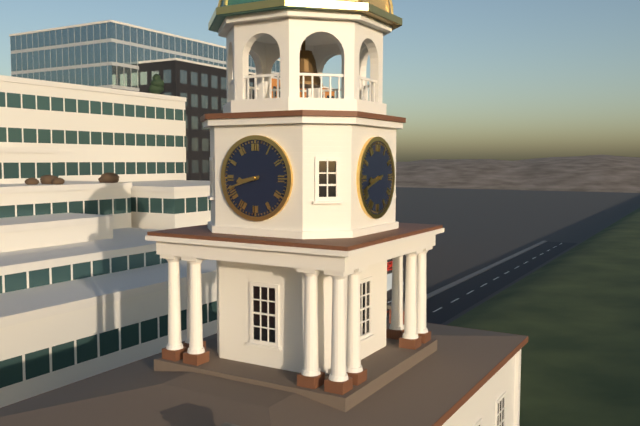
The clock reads 8,42
